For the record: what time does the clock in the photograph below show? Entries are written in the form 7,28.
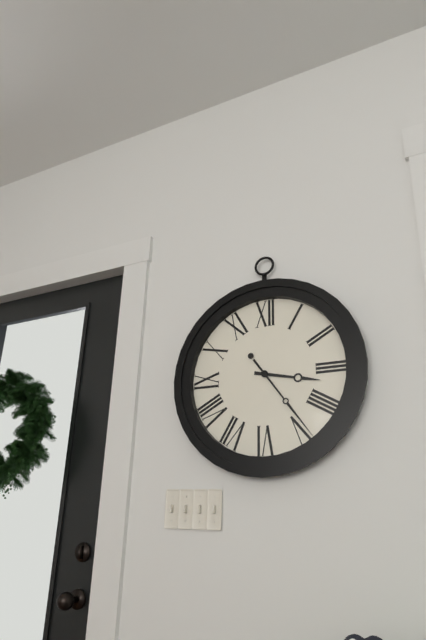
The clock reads 3,24
